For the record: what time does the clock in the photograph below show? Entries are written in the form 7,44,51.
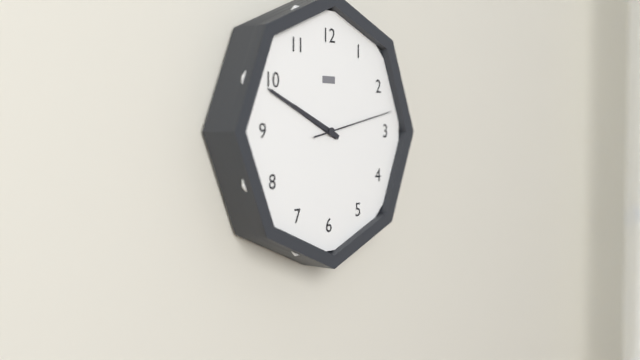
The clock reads 9,49,13
